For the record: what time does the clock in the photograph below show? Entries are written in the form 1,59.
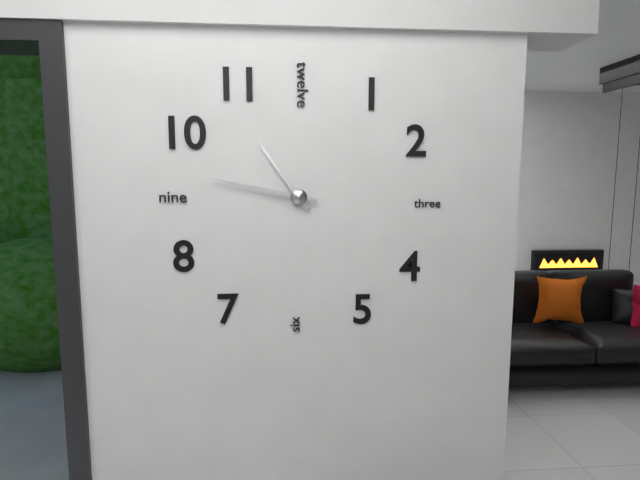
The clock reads 10,47
